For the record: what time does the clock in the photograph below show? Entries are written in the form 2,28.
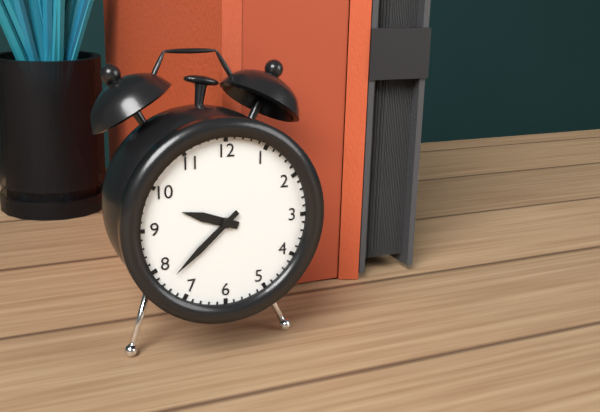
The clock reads 9,38
